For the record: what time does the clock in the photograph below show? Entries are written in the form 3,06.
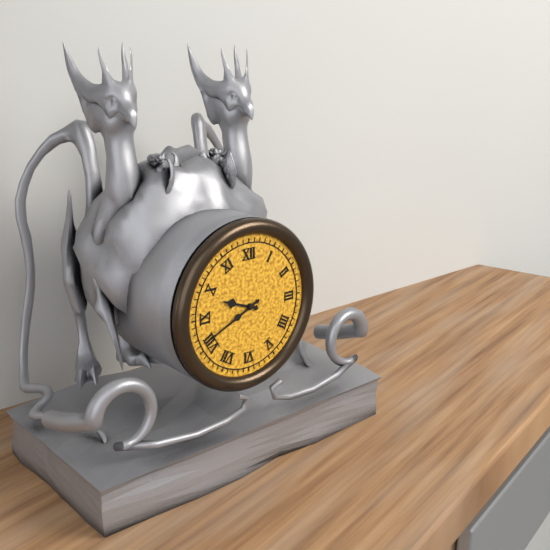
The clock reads 9,41
